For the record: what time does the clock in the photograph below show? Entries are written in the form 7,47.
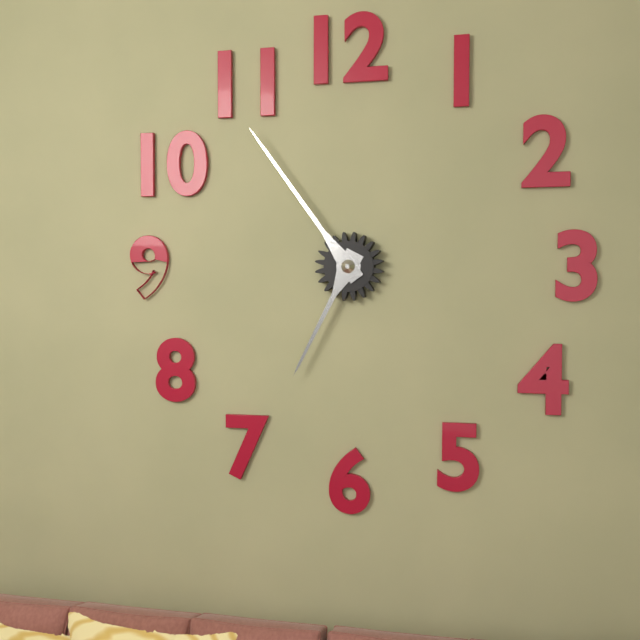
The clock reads 6,54
